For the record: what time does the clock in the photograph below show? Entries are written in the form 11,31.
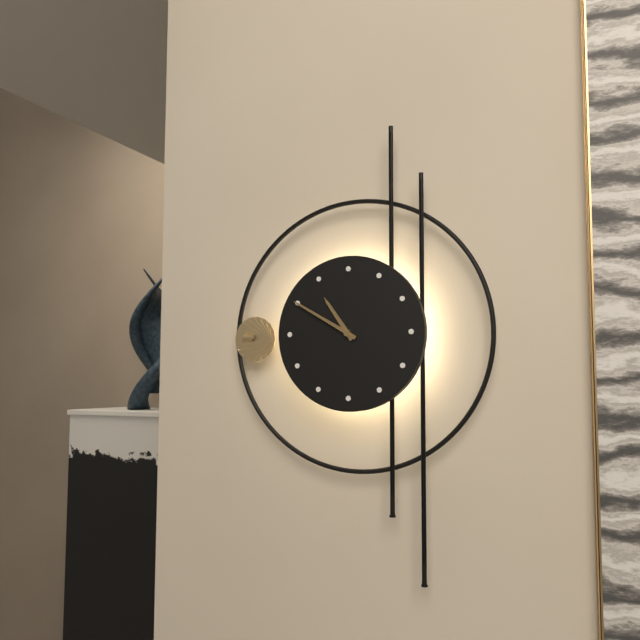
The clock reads 10,50
